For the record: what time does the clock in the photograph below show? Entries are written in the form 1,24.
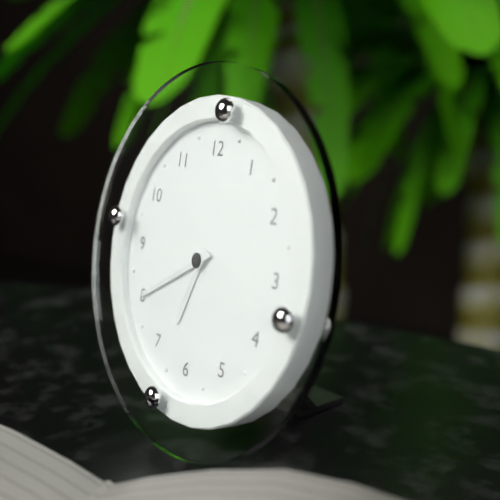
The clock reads 6,40
